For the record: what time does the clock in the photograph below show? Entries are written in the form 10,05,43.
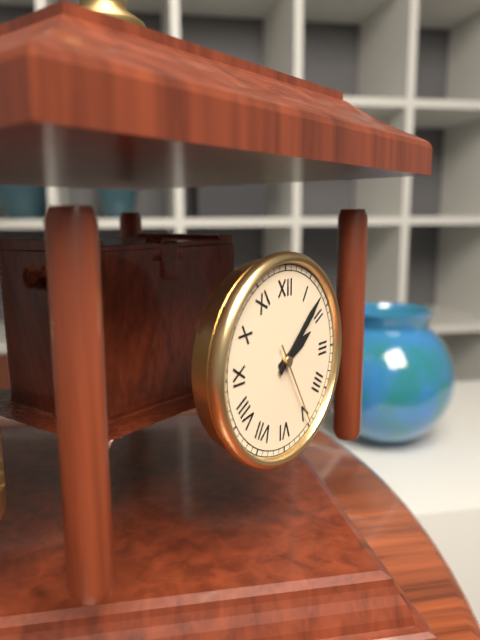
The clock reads 2,08,25
